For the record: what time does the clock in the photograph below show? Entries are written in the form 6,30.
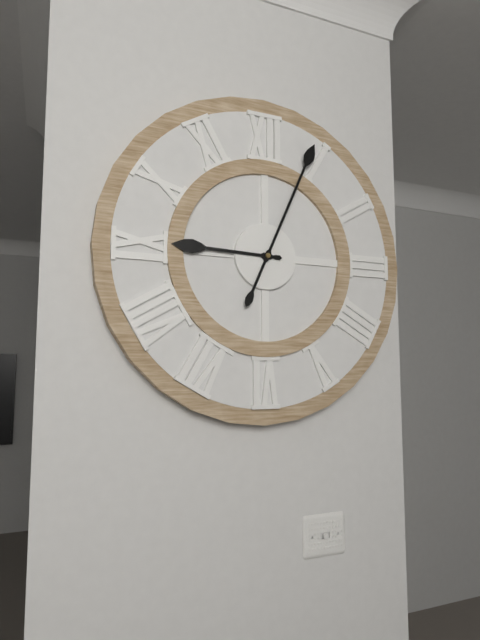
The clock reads 9,04
